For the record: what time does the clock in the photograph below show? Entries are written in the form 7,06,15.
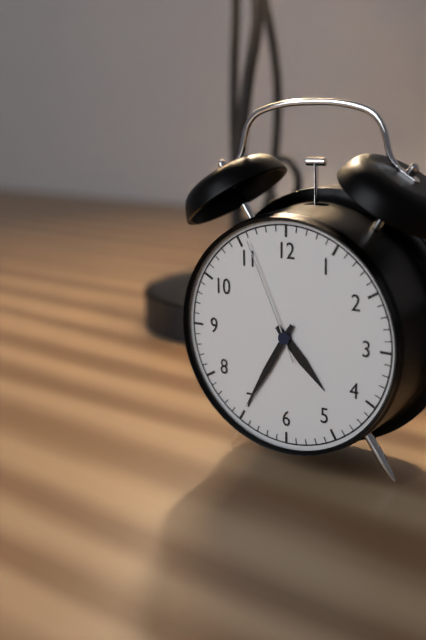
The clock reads 4,35,56
